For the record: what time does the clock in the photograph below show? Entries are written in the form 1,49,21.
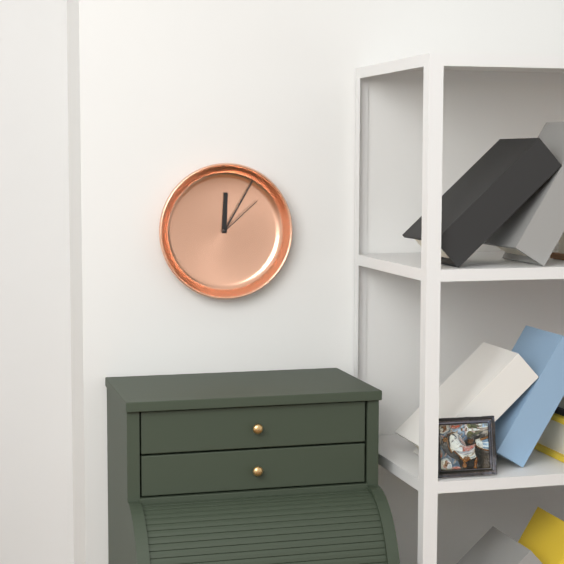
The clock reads 12,05,08
